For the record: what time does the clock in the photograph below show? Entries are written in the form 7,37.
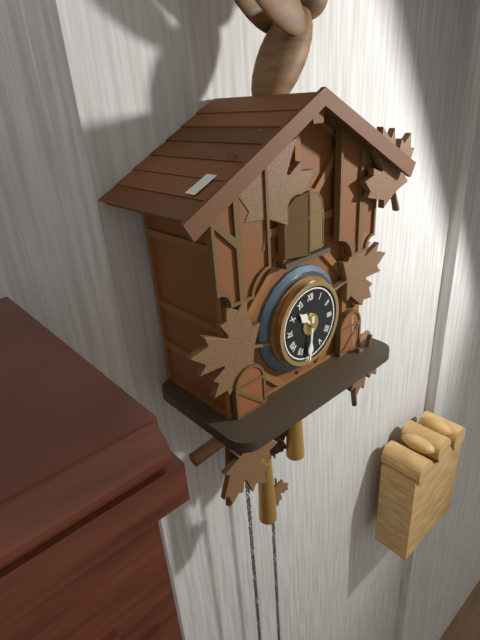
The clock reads 10,31
